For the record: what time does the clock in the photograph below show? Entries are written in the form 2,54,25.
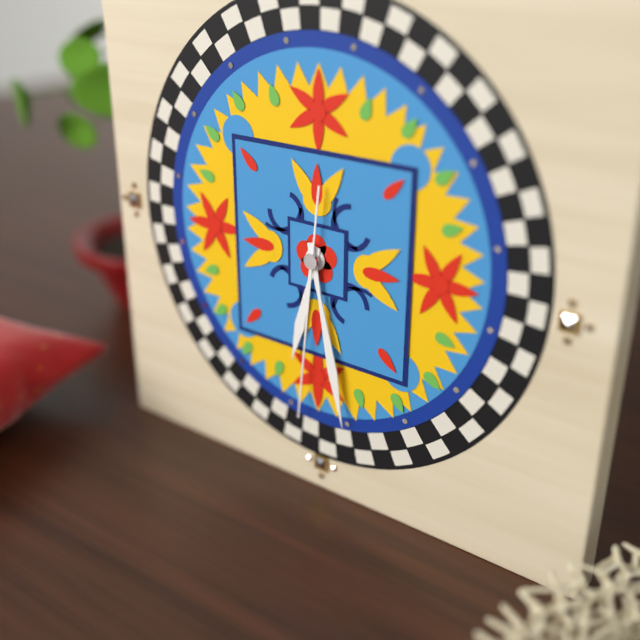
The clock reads 6,28,31
